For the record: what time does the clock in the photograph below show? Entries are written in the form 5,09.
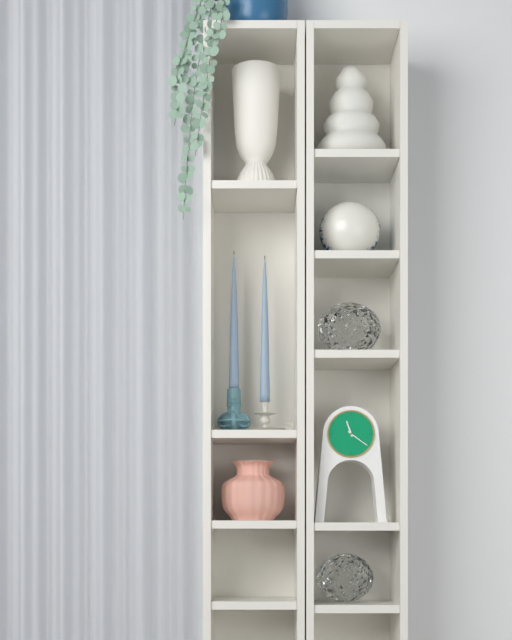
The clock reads 11,21
